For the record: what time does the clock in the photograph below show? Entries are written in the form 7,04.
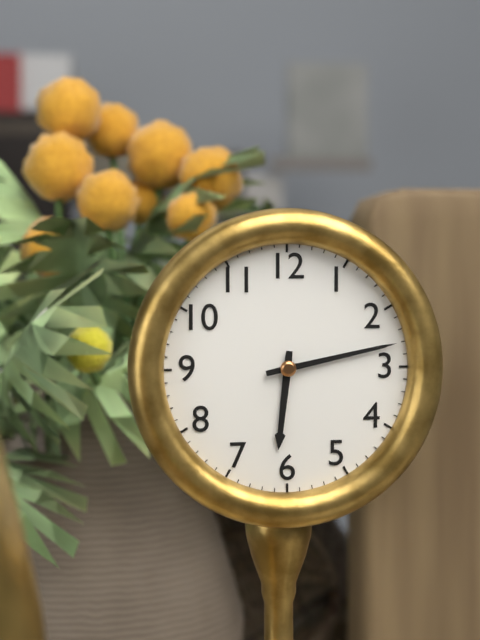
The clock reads 6,13
